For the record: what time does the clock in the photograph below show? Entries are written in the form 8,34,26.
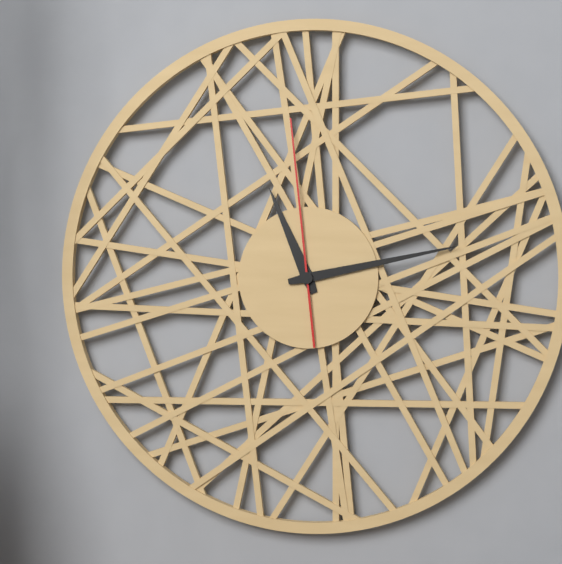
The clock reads 11,13,59
